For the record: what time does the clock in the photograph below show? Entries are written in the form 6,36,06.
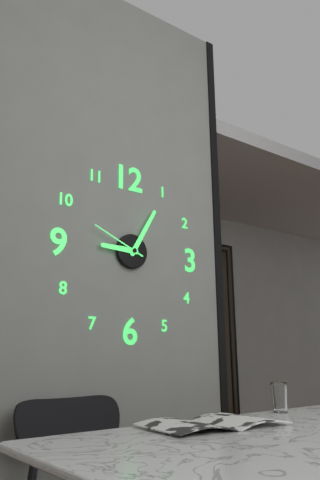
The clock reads 9,05,49
